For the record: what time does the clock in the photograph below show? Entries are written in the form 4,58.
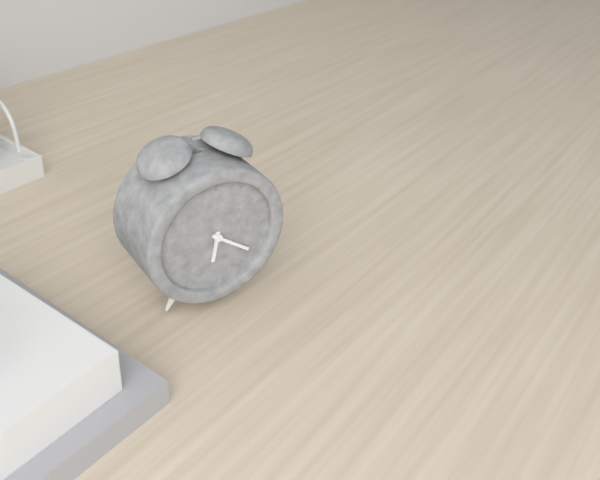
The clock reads 6,21
